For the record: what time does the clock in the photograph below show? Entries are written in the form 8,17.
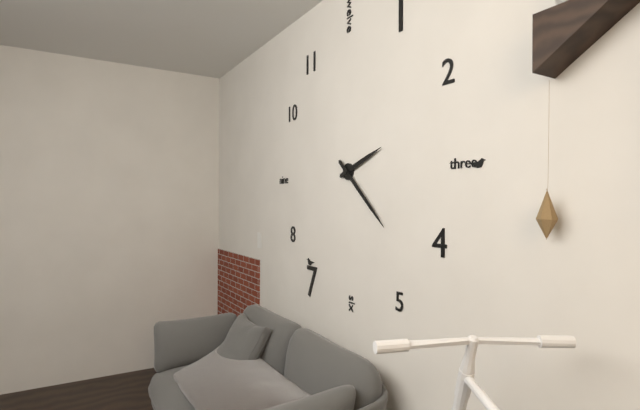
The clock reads 2,22
